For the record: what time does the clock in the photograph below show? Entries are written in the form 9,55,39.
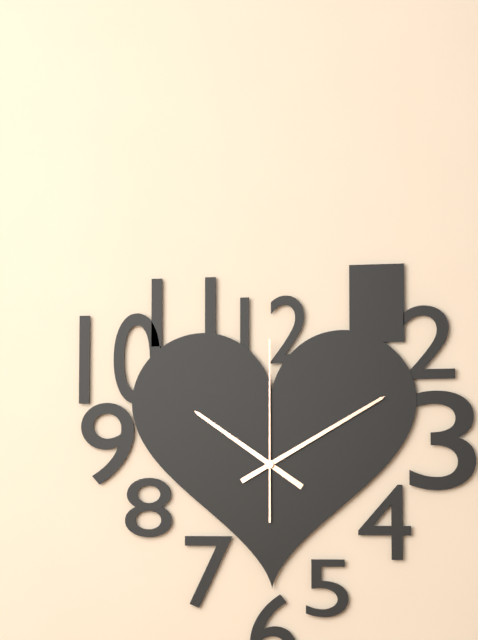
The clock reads 10,10,00
